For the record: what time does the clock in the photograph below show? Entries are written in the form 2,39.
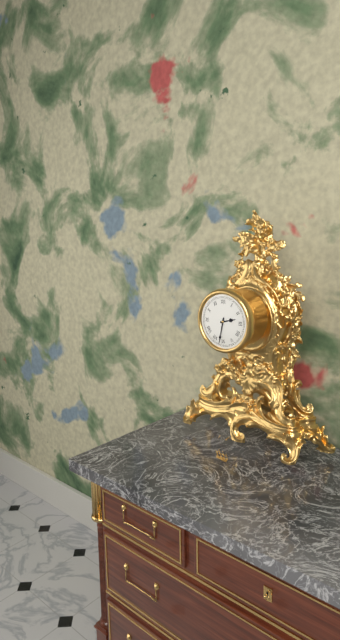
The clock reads 2,32
